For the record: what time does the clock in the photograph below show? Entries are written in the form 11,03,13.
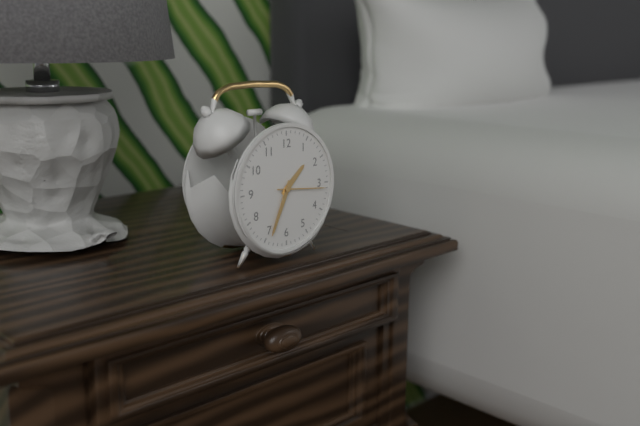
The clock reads 1,34,16
